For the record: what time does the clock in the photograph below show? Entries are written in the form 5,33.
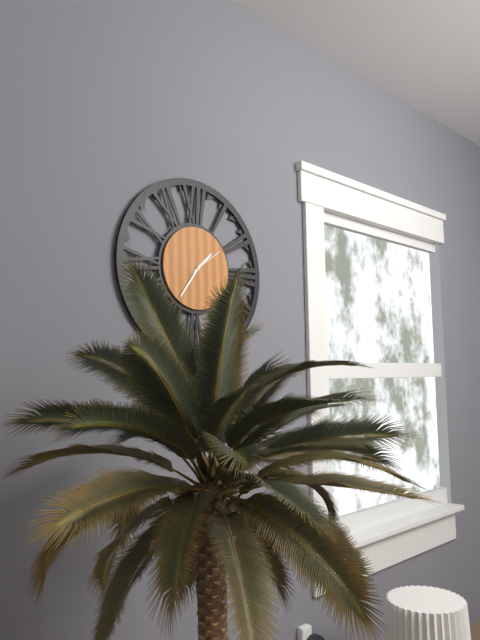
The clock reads 1,36
